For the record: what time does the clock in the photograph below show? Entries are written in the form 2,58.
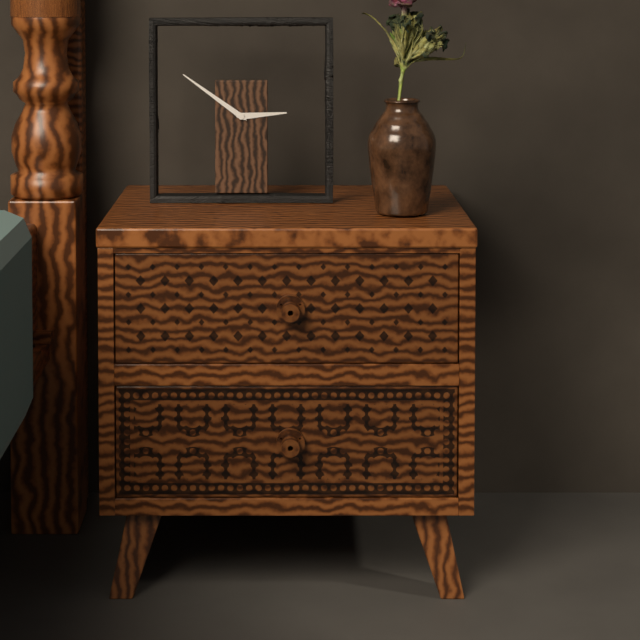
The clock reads 2,51
